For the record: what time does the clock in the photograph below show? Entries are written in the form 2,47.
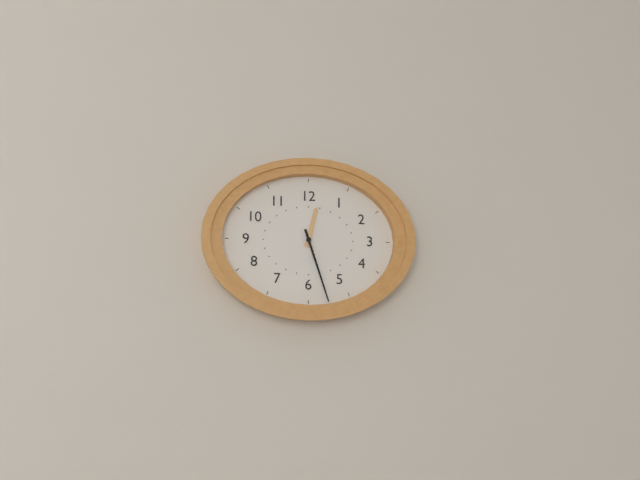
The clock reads 12,27
